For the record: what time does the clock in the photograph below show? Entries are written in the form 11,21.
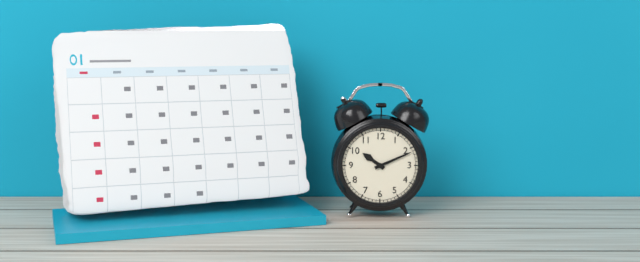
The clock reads 10,11
